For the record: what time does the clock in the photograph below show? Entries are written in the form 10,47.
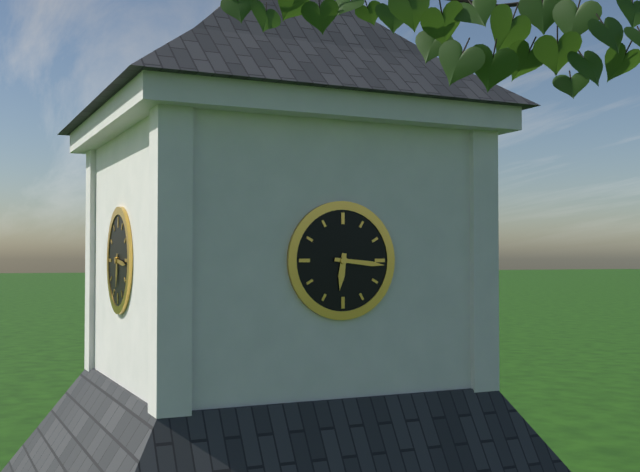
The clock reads 6,16
